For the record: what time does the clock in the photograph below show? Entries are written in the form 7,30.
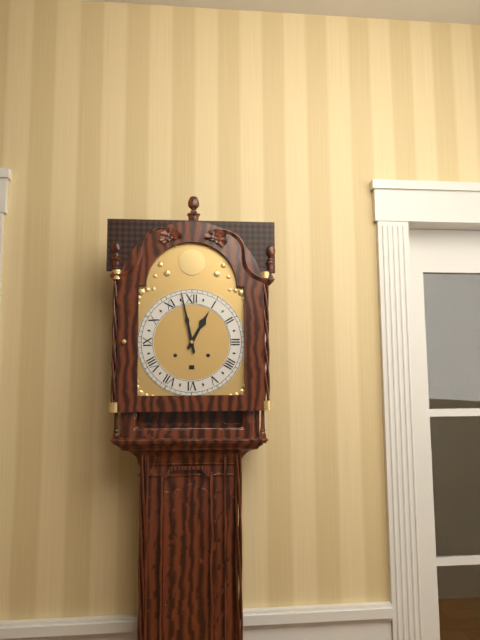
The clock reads 12,58
